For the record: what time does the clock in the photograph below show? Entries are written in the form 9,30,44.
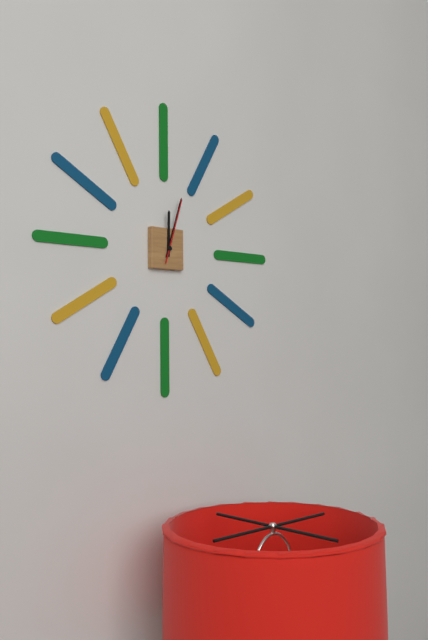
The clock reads 12,03,03
